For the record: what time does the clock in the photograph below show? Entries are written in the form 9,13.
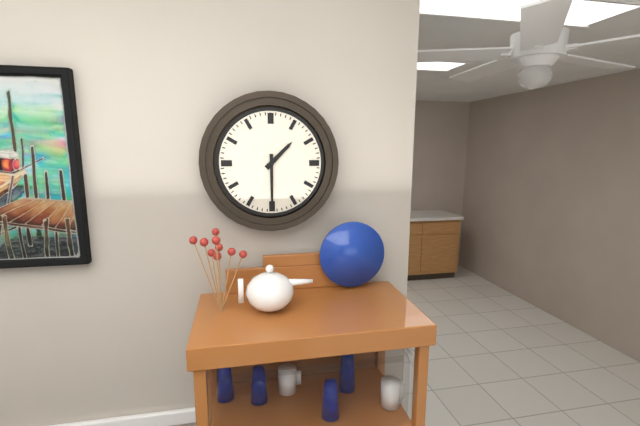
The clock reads 1,30
